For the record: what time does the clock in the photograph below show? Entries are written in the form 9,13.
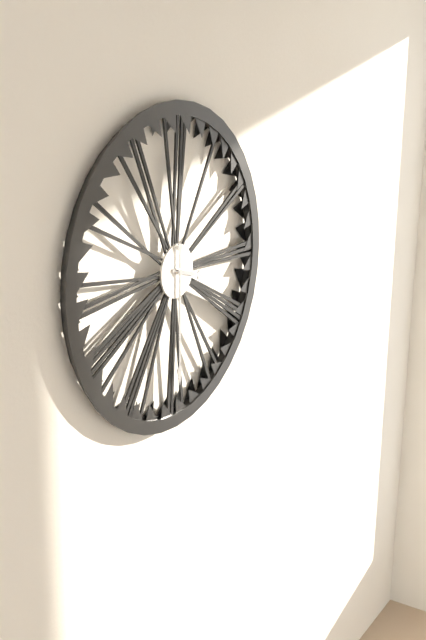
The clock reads 3,30
